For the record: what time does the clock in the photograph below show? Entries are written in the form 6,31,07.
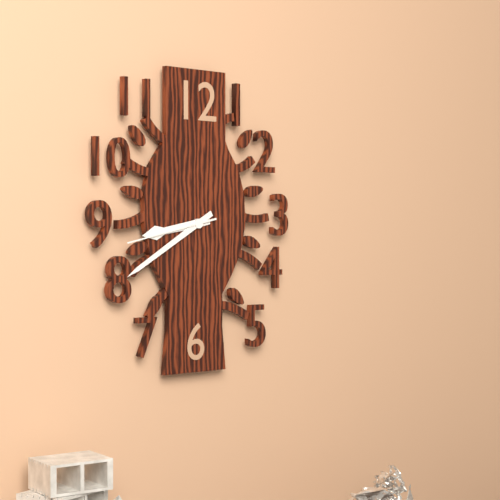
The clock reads 8,40,43
